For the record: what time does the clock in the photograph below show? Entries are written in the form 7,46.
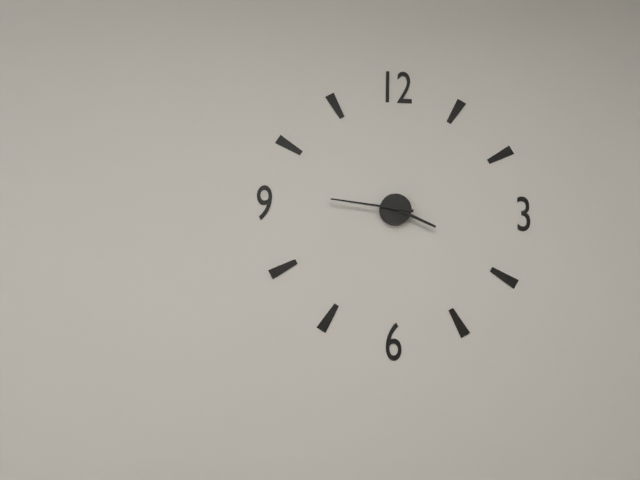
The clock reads 3,46
